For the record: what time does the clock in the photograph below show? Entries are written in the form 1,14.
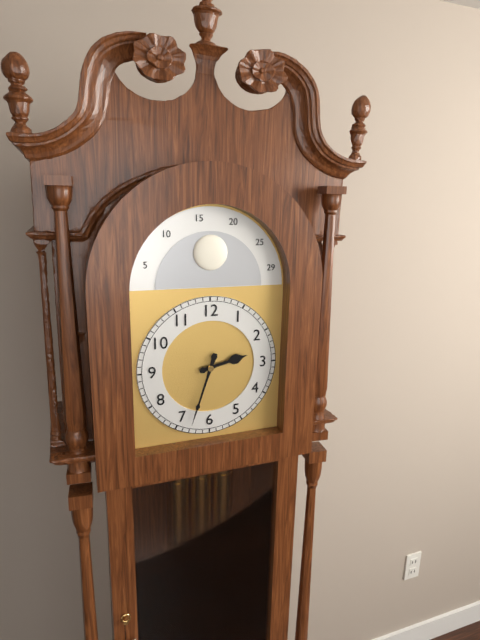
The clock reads 2,33
